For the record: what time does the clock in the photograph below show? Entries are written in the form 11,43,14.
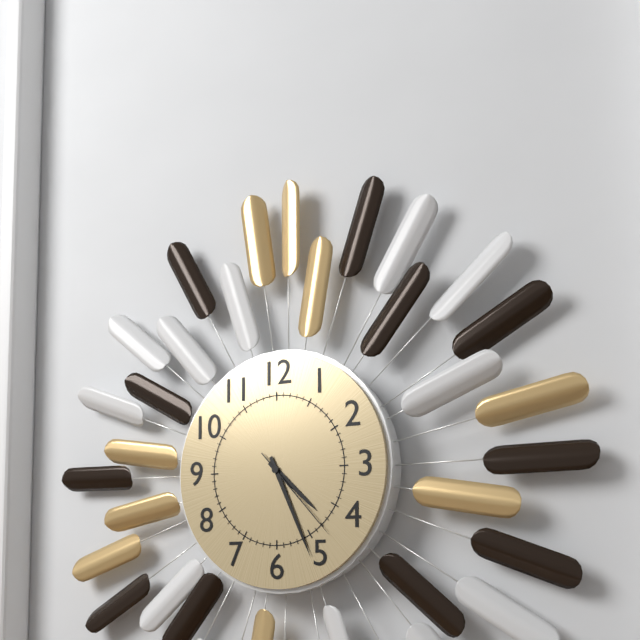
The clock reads 4,26,23
